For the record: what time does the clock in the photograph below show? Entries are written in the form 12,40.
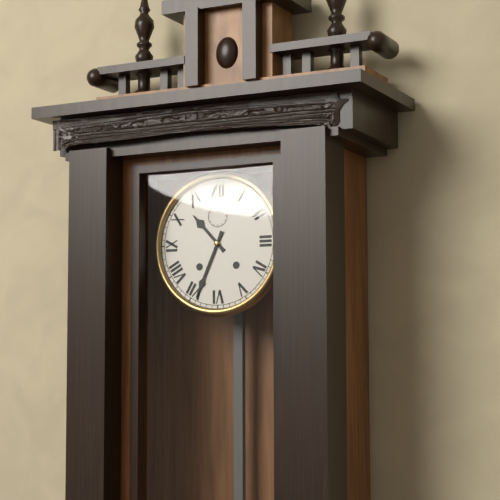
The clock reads 10,34
